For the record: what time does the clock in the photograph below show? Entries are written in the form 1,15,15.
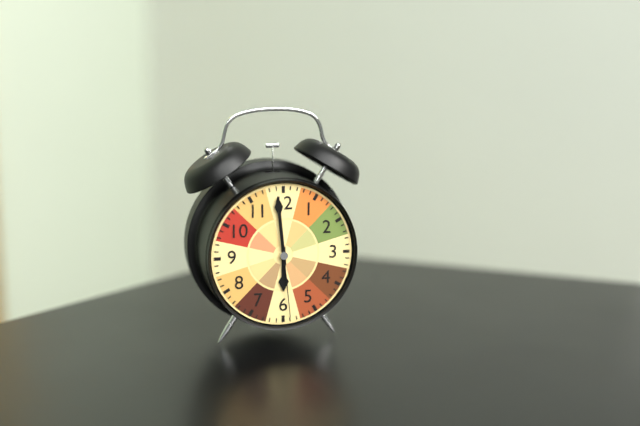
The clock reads 5,59,29
